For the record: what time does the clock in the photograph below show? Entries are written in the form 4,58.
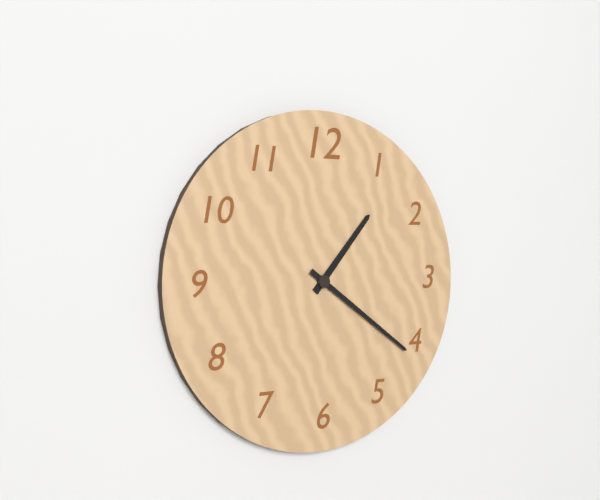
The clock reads 1,21
